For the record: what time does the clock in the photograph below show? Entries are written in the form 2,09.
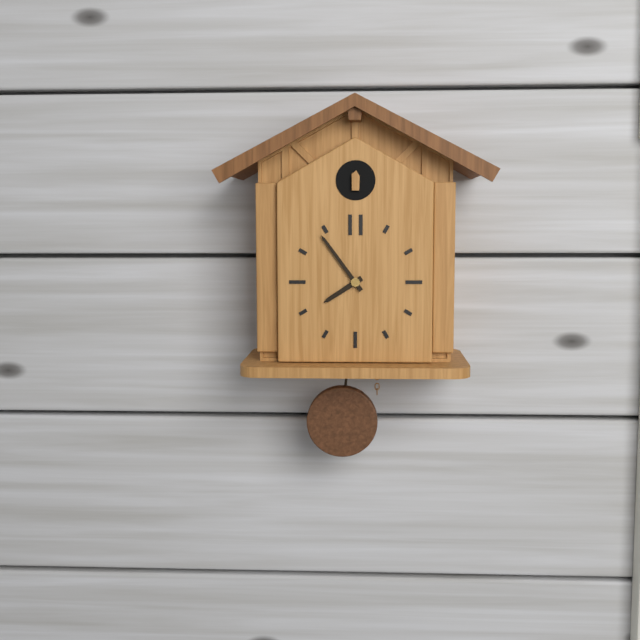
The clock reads 7,54
